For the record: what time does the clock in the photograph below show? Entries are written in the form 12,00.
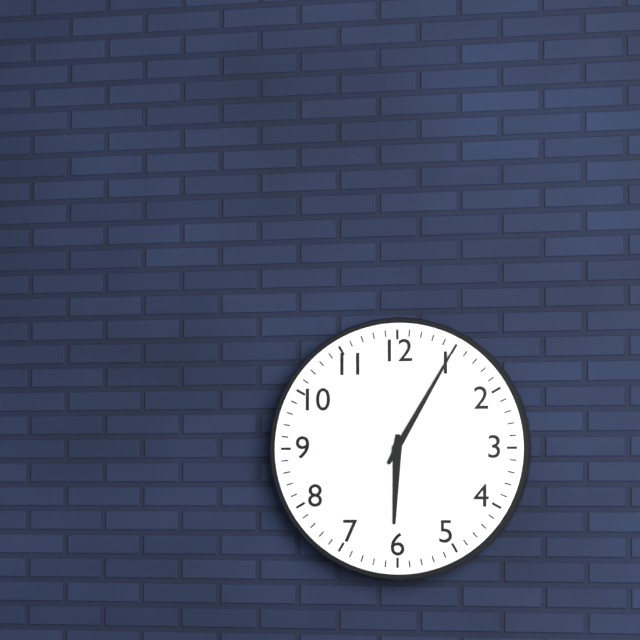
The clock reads 6,05
